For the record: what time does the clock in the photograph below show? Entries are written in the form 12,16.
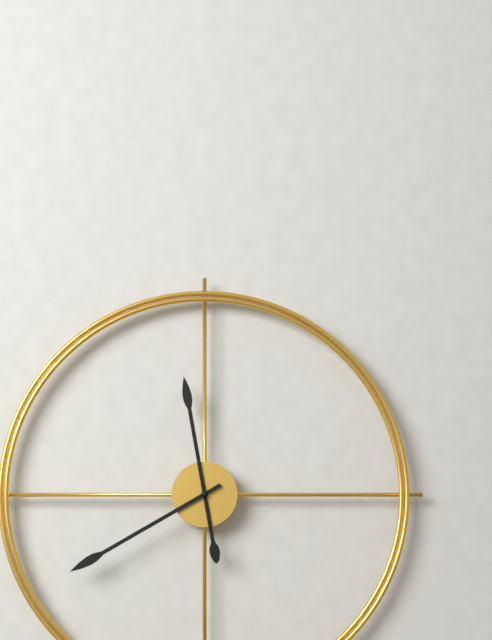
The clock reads 11,40
